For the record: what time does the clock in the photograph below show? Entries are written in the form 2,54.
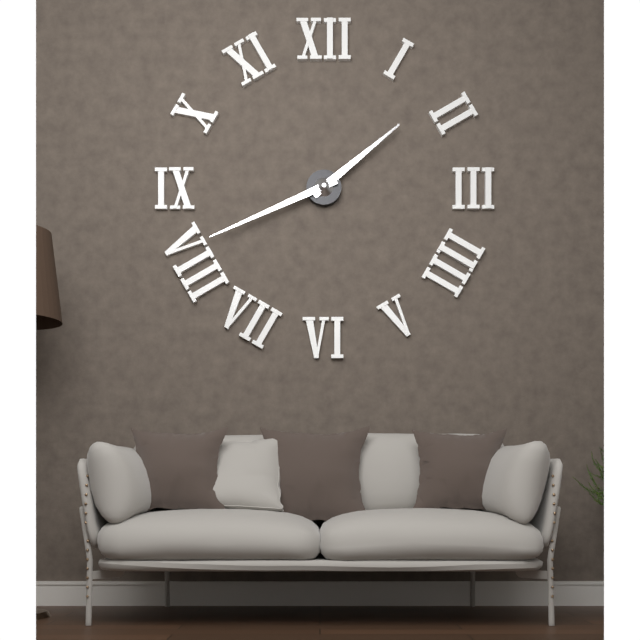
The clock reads 1,41
